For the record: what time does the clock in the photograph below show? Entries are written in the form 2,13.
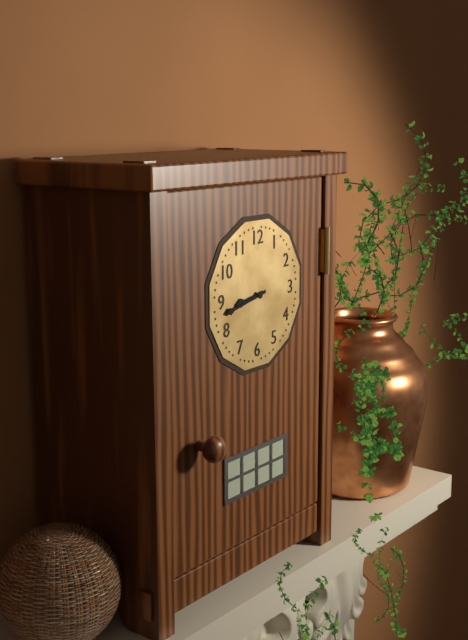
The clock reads 8,43
